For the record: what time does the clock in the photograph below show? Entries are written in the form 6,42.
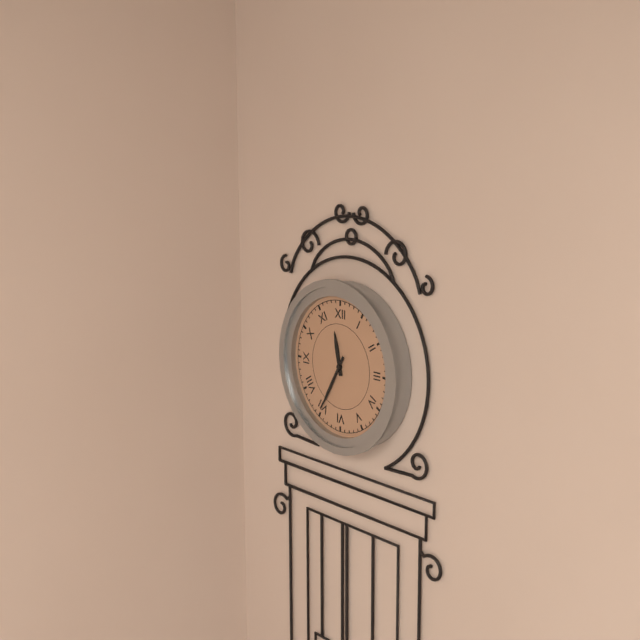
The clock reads 11,35
